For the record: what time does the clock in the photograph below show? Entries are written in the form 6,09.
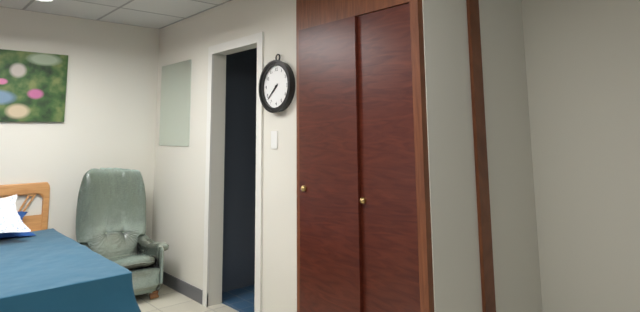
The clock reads 7,38
